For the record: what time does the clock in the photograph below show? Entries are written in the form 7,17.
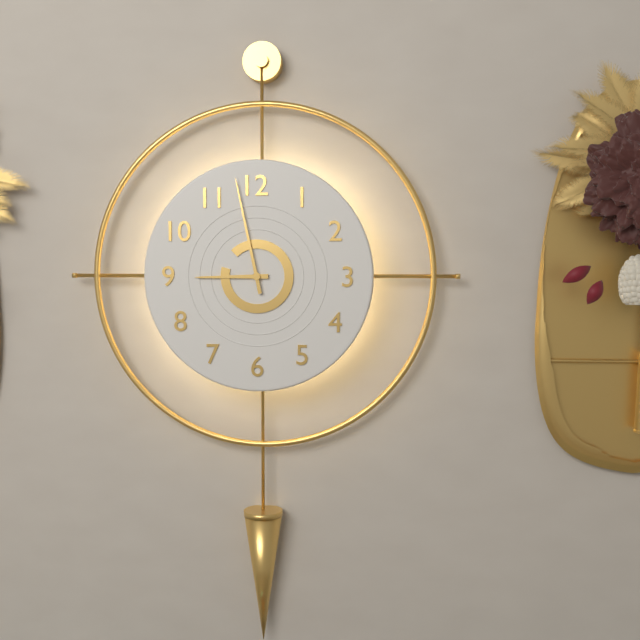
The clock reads 8,58
